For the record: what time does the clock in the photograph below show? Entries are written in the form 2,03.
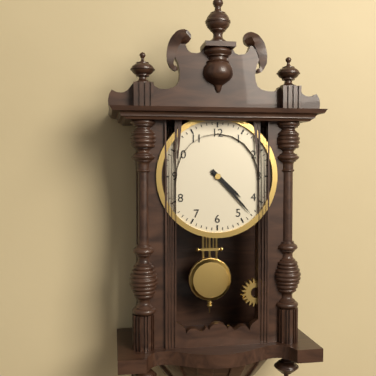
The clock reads 4,23
